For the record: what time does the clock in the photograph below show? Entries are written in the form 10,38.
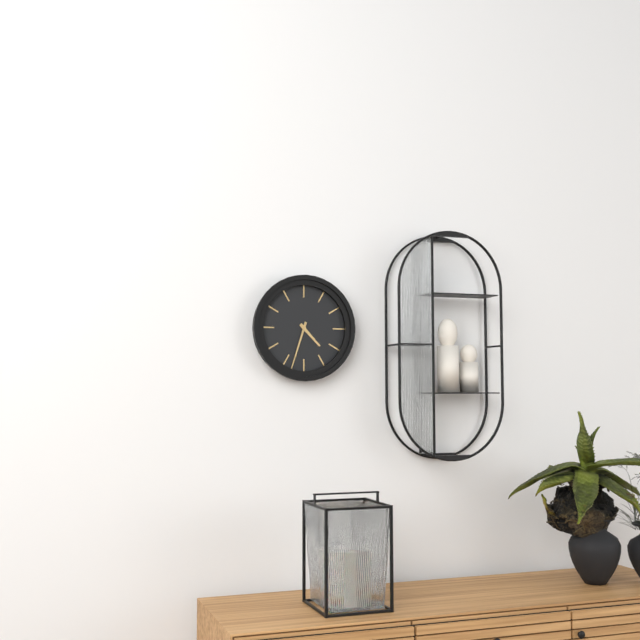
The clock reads 4,33
